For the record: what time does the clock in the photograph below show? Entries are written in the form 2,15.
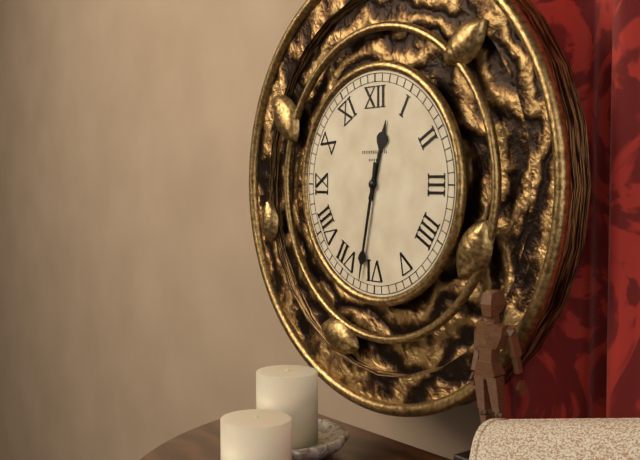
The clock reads 12,32
